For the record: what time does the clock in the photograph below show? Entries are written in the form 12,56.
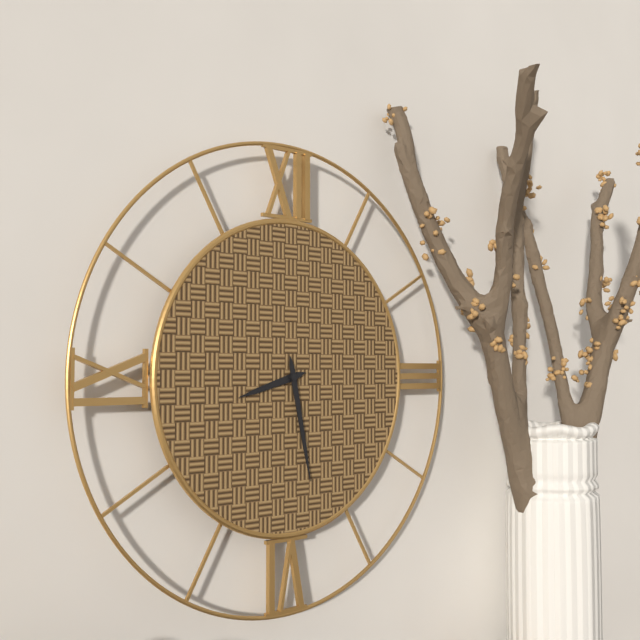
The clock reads 8,28
